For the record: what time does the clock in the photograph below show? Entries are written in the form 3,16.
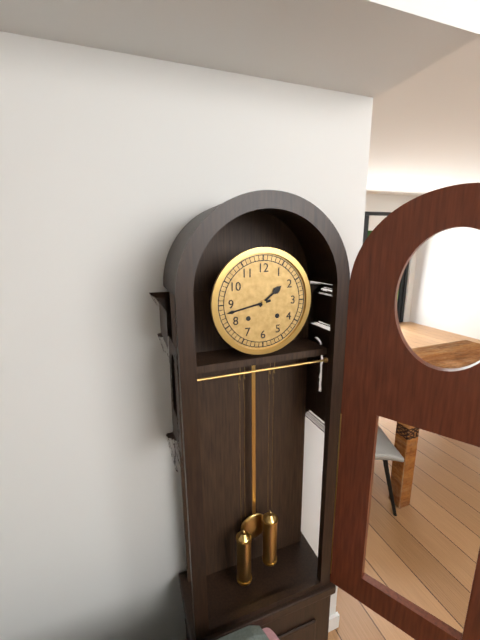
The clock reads 1,43
